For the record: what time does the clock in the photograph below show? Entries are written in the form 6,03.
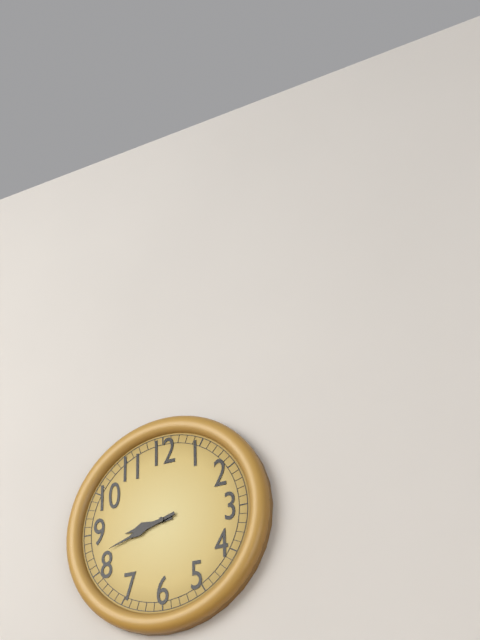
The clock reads 8,42
